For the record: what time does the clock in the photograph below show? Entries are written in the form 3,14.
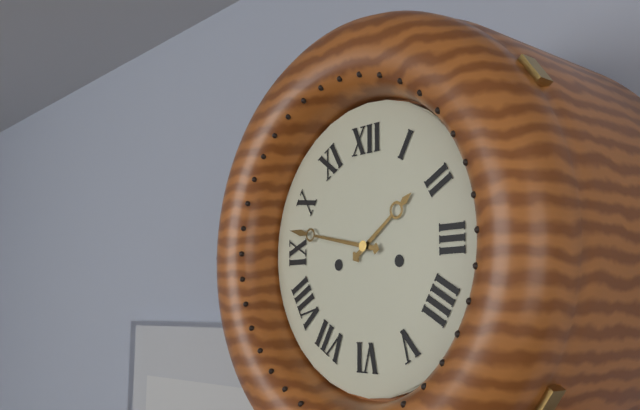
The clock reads 1,47
